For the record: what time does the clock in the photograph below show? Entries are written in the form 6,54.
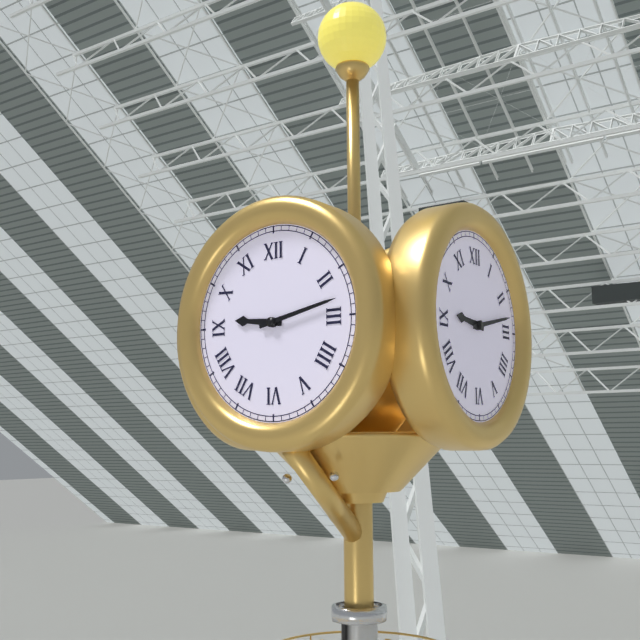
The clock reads 9,13
